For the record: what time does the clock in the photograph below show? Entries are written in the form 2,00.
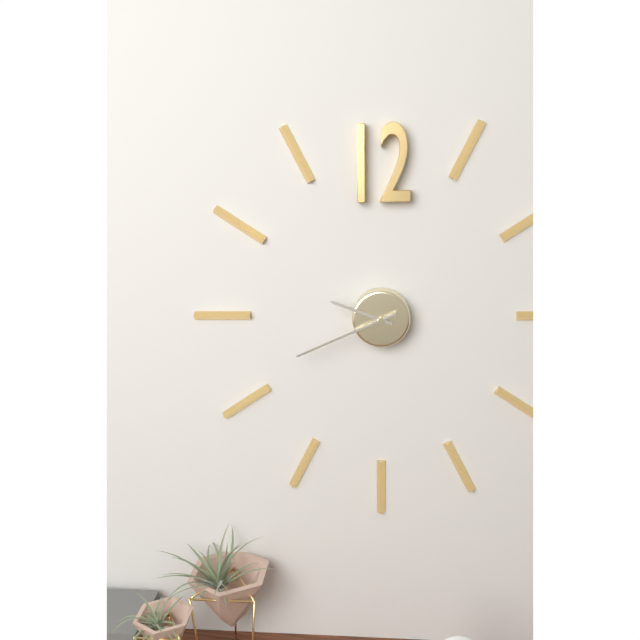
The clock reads 9,41
